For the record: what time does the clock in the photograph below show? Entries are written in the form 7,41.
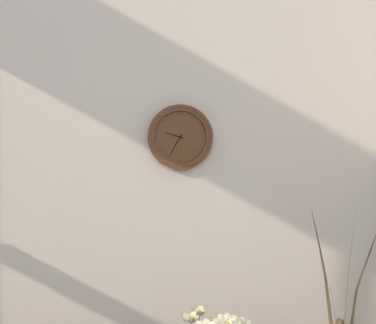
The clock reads 9,35
